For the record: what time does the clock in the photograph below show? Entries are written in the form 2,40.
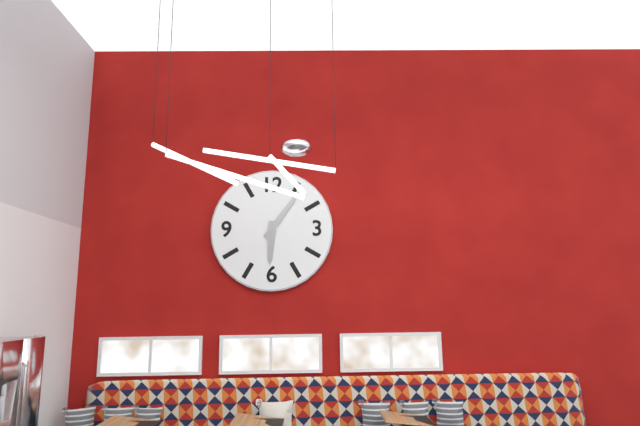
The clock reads 6,06
